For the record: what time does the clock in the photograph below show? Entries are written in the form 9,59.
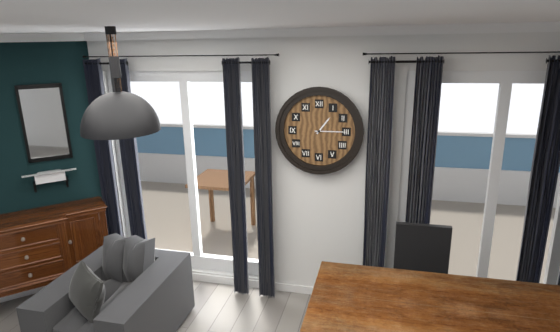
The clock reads 1,15
